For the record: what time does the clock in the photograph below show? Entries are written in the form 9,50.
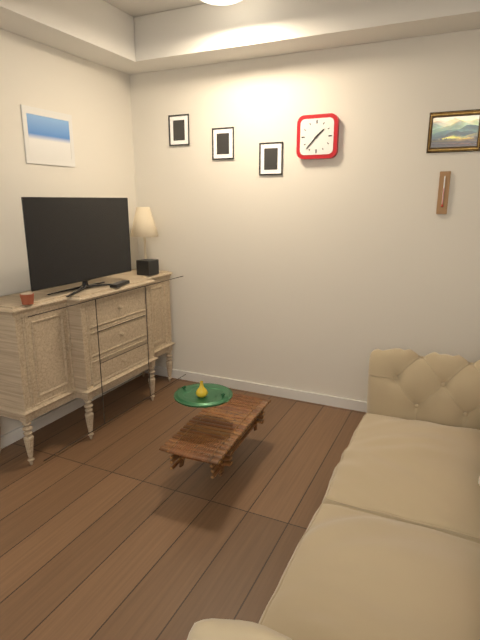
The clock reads 1,37
